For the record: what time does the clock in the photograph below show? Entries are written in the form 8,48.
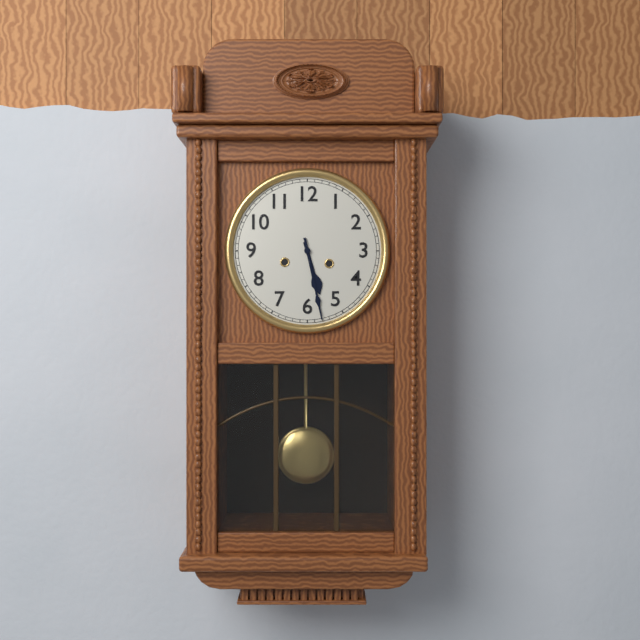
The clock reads 5,28
